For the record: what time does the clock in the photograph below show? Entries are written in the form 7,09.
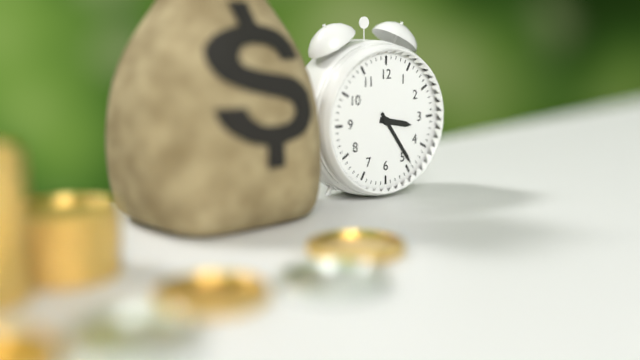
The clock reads 3,24
